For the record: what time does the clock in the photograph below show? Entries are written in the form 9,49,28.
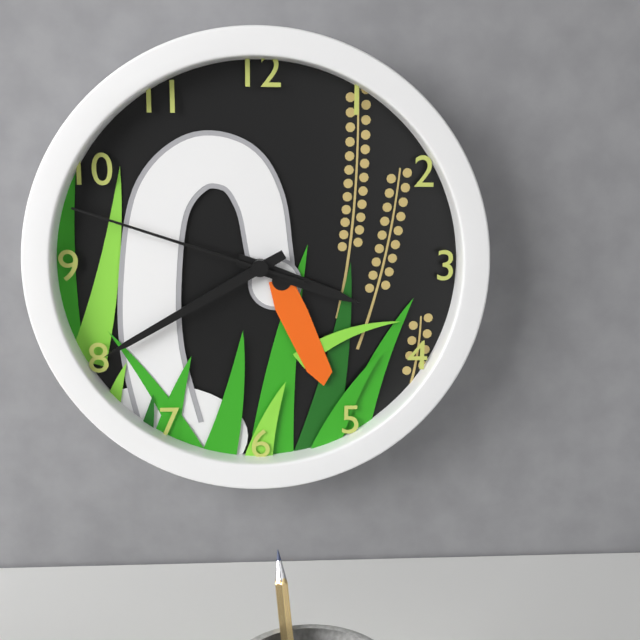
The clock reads 3,40,48
